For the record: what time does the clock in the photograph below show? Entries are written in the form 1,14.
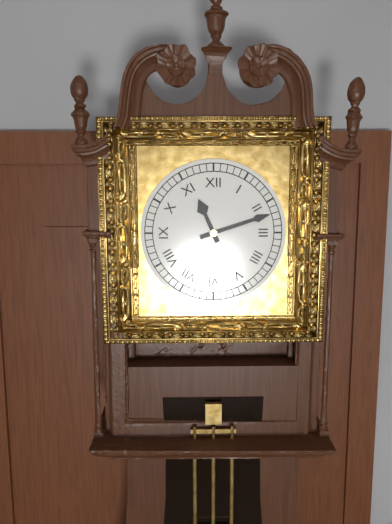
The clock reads 11,12
